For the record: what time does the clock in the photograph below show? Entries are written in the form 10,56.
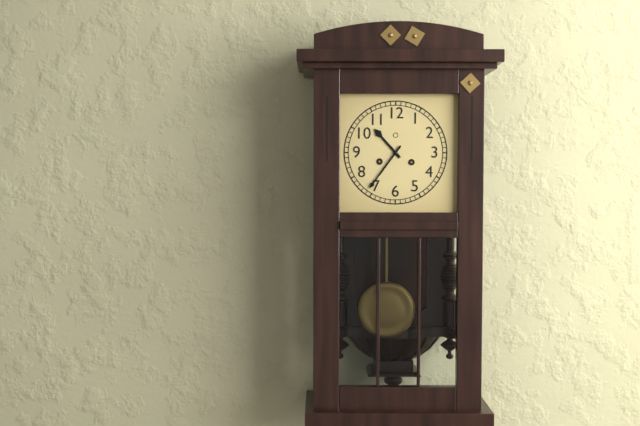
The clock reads 10,36
